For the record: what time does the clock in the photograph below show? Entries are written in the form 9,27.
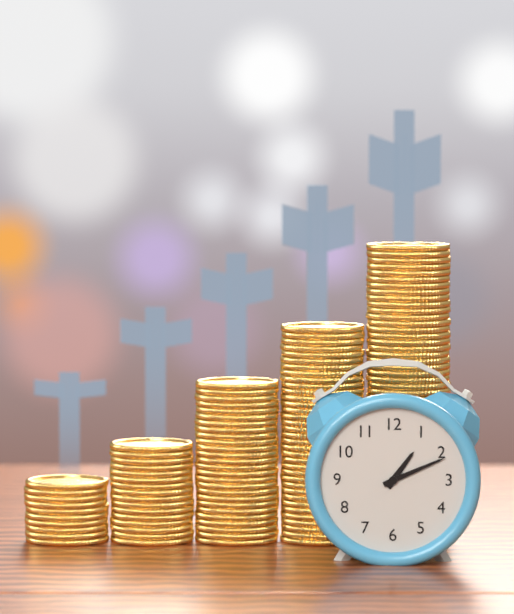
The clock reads 1,11
